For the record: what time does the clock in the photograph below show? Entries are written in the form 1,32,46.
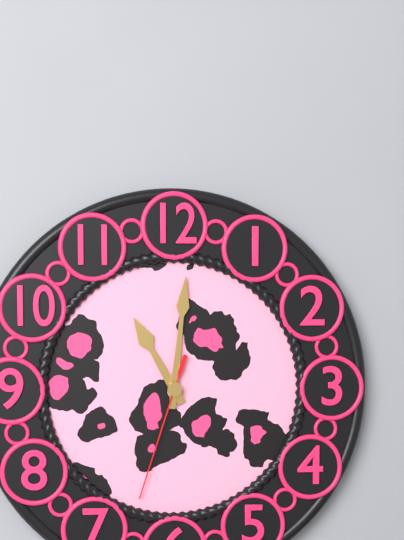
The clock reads 11,01,33
